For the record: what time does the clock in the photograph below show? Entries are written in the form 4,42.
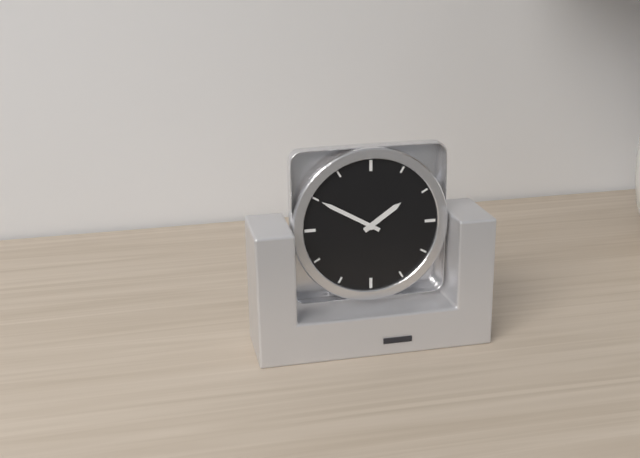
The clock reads 1,50
